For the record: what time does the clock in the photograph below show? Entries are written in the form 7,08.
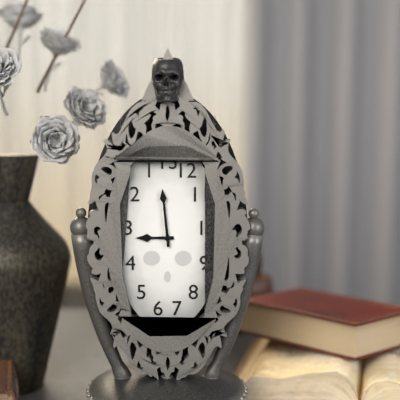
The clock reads 8,59
